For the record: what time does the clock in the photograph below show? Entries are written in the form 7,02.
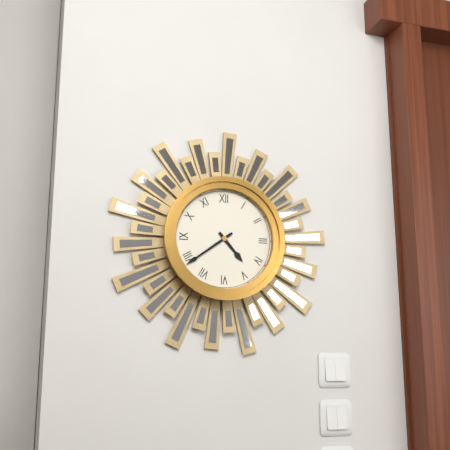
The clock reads 4,39
